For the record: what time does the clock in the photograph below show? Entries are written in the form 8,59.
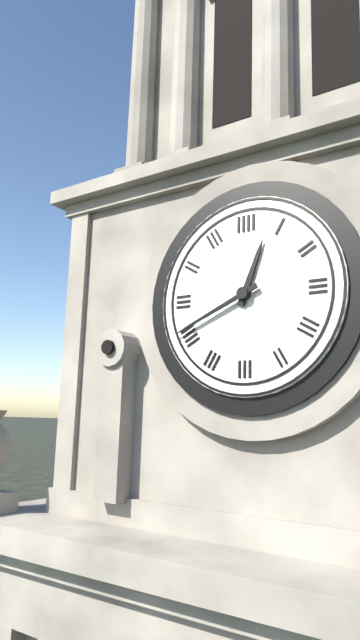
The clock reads 12,41
